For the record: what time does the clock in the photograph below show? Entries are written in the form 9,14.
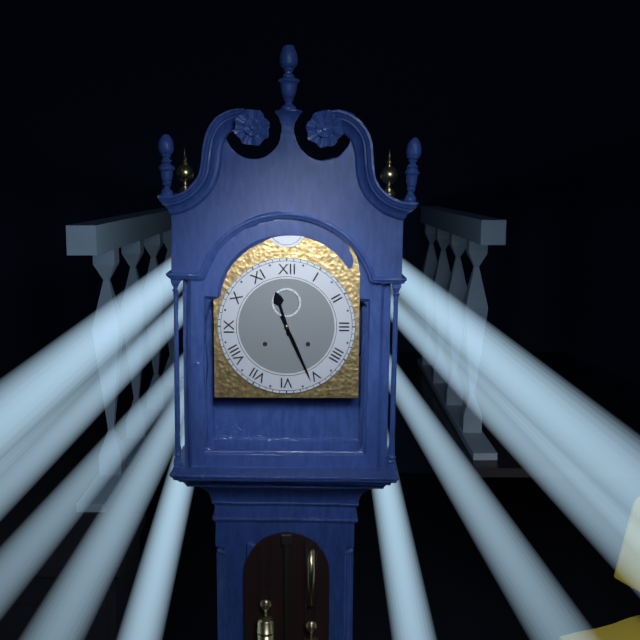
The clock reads 11,26
